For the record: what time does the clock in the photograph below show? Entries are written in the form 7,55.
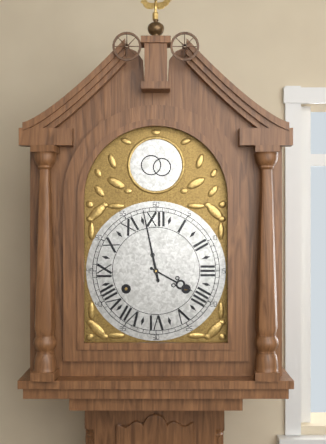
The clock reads 3,58
